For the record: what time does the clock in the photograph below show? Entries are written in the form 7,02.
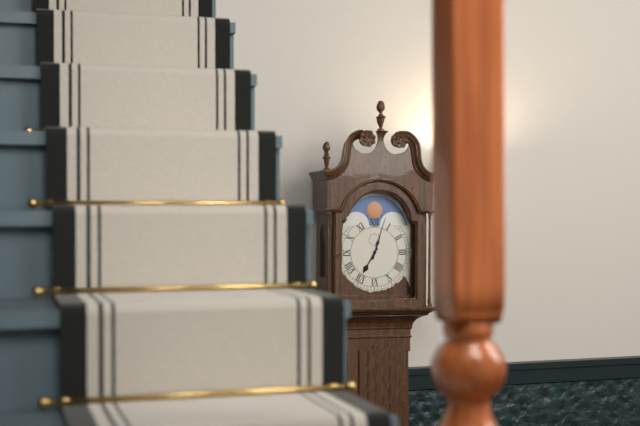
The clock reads 7,03
